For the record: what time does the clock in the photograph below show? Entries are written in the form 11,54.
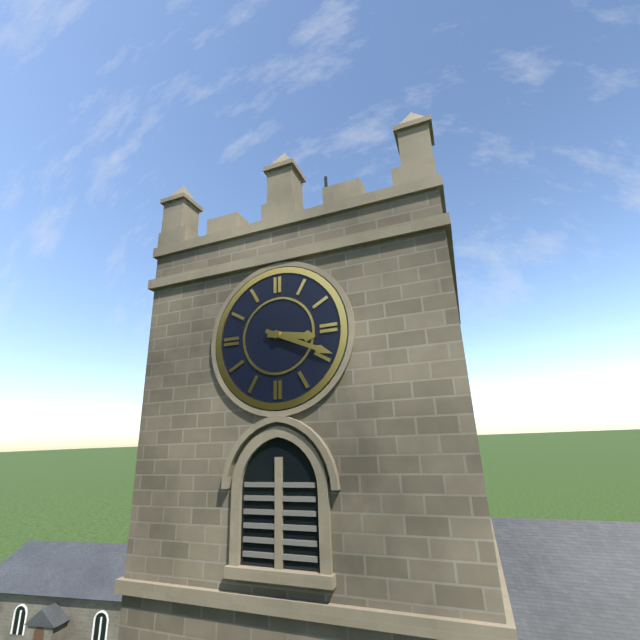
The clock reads 3,19
